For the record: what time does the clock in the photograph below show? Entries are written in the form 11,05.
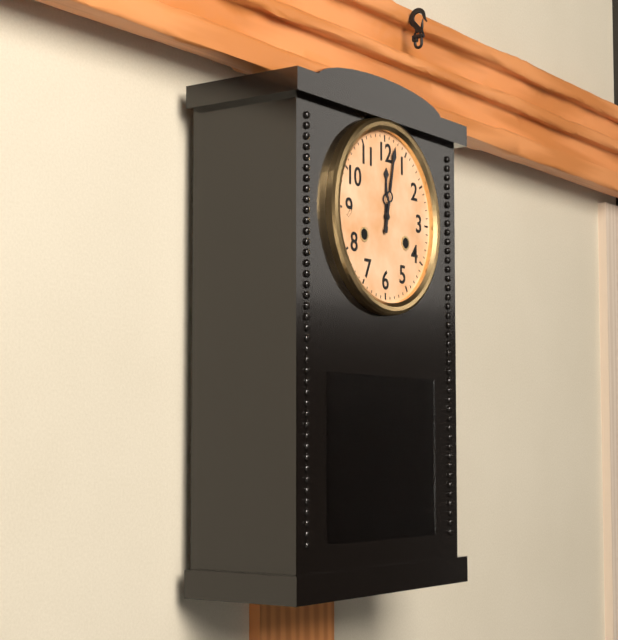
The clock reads 12,02
